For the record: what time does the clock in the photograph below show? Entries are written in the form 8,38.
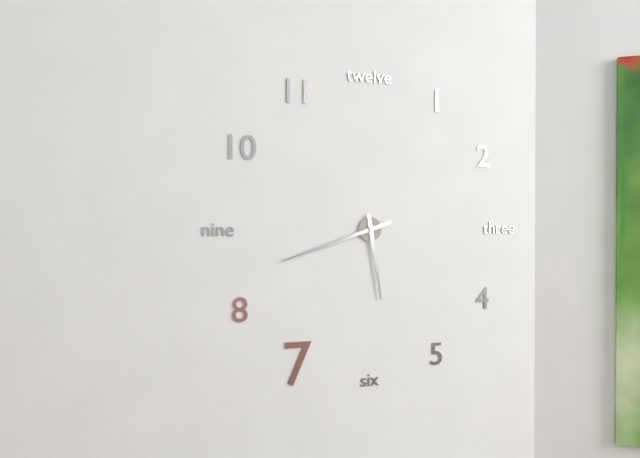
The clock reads 5,42
